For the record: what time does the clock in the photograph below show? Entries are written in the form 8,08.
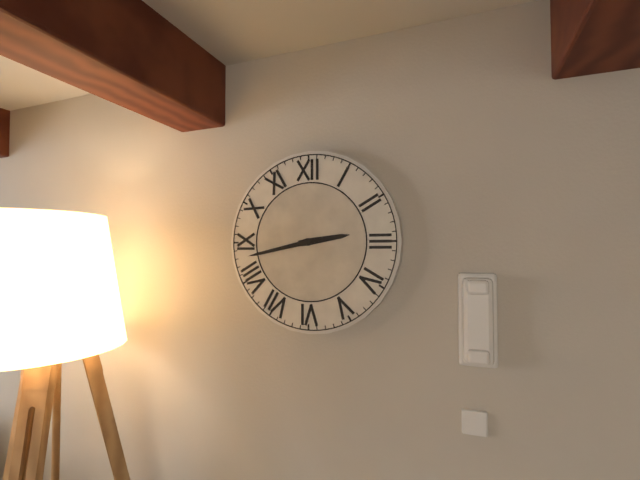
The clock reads 2,43
